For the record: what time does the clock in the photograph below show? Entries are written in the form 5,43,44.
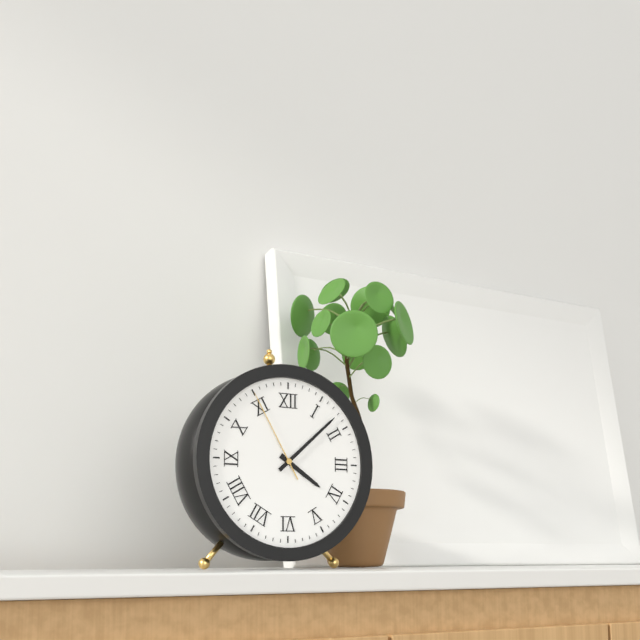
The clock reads 4,08,55
